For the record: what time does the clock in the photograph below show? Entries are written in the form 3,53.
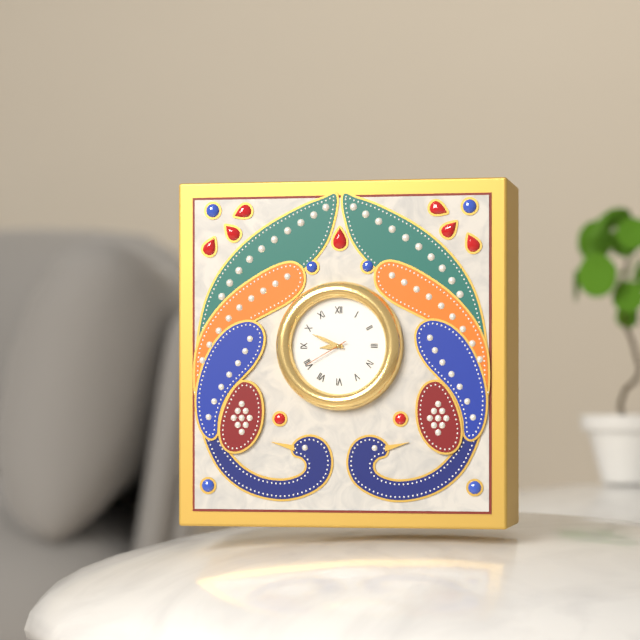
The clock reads 8,49
